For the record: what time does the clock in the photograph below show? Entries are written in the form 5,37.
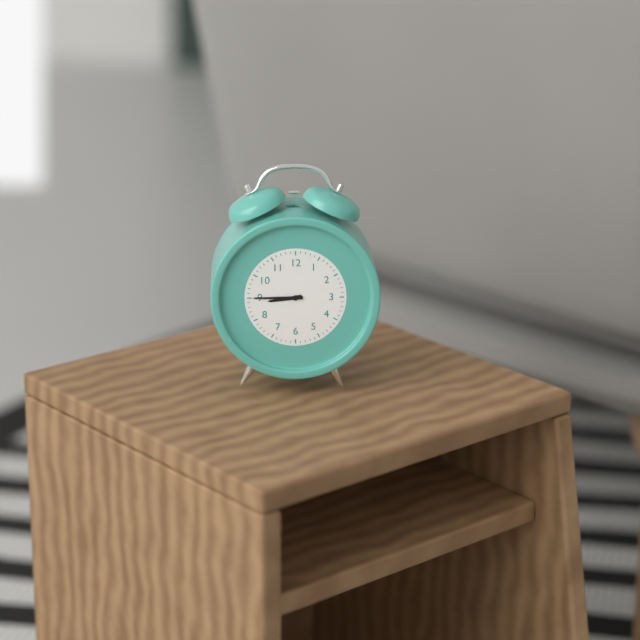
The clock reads 8,45
